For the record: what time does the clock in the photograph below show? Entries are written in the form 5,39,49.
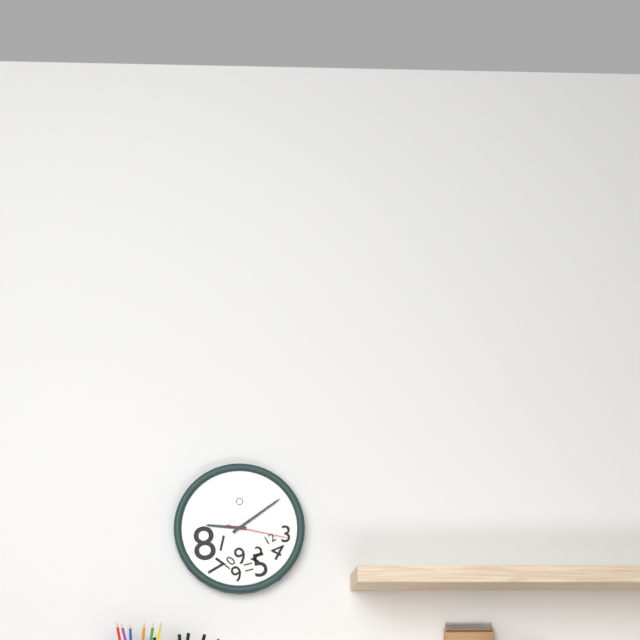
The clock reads 9,09,17
